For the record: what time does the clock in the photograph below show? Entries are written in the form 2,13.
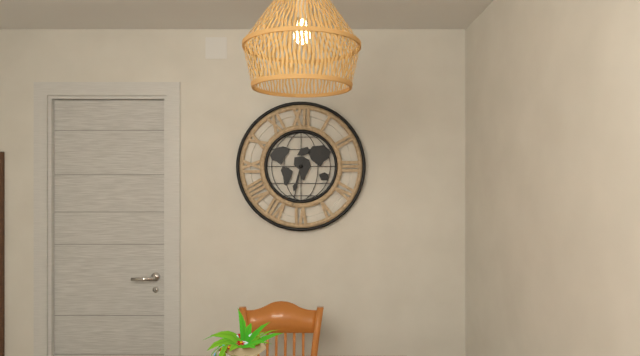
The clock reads 6,32
